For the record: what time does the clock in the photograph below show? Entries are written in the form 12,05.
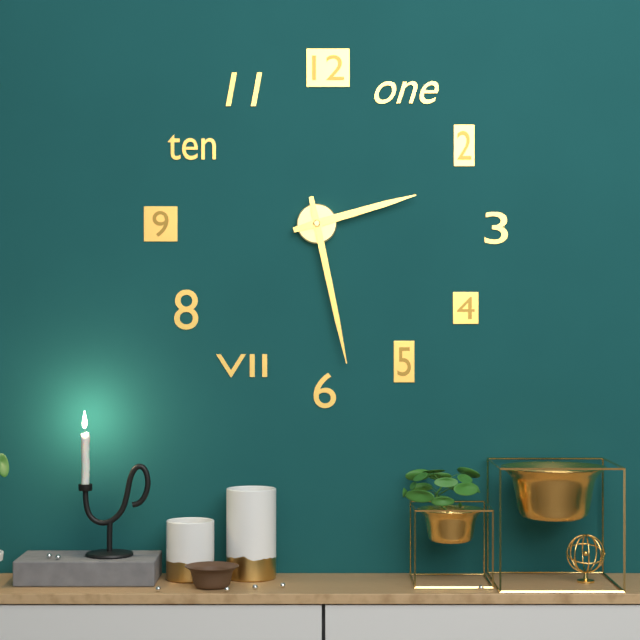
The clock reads 2,28
